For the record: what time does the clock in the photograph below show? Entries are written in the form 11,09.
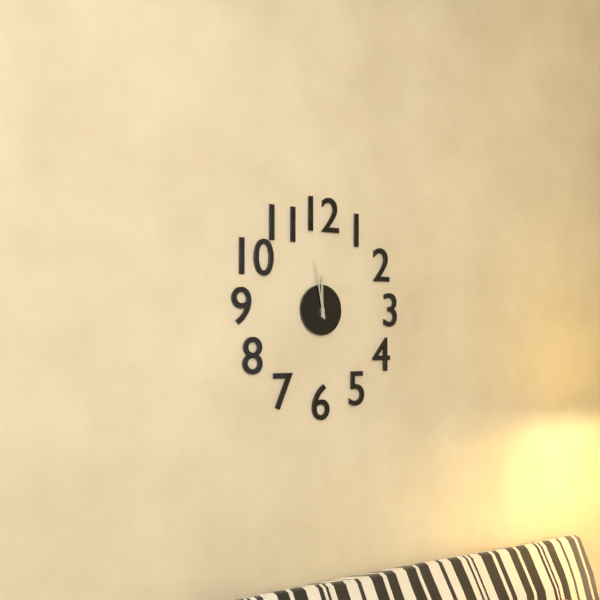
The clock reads 11,58
